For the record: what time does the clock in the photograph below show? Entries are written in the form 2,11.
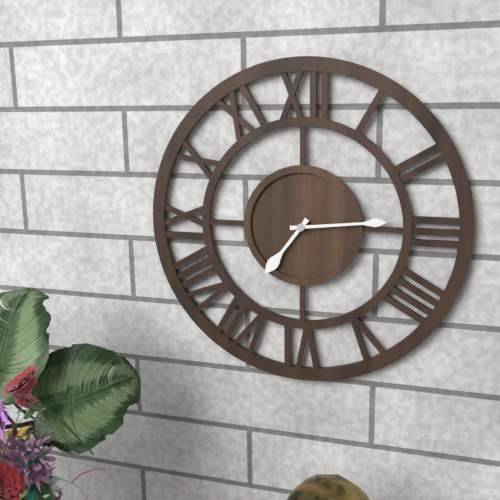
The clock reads 7,14
